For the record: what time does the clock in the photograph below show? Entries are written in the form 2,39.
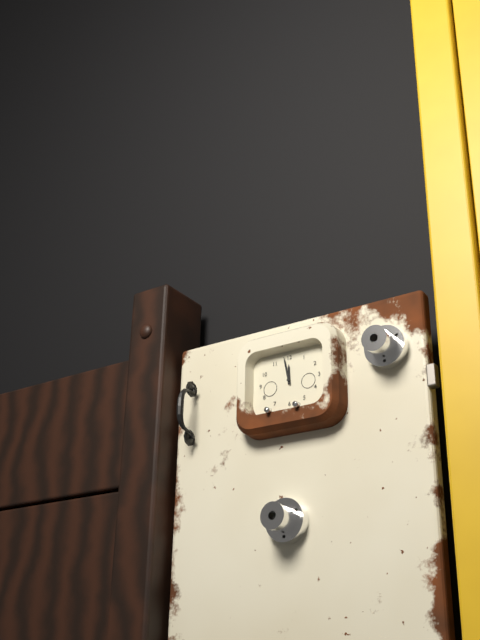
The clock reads 11,58
